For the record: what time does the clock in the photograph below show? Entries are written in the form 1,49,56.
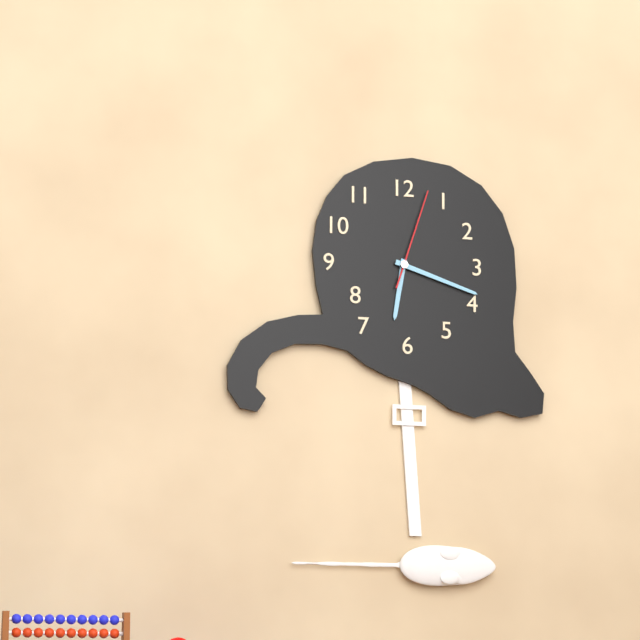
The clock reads 6,18,03
